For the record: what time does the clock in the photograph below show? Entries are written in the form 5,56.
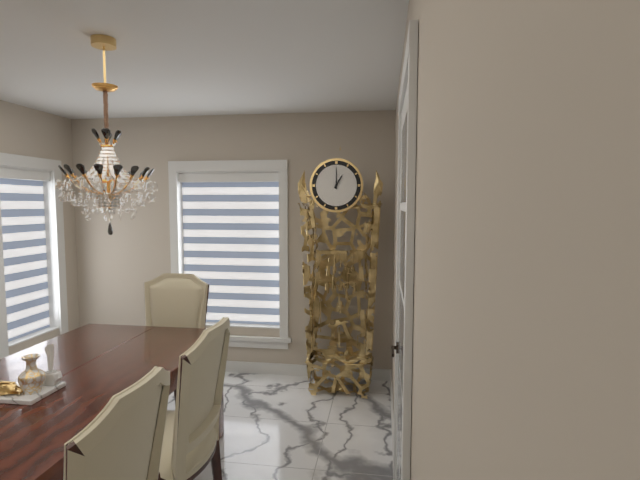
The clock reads 1,00
